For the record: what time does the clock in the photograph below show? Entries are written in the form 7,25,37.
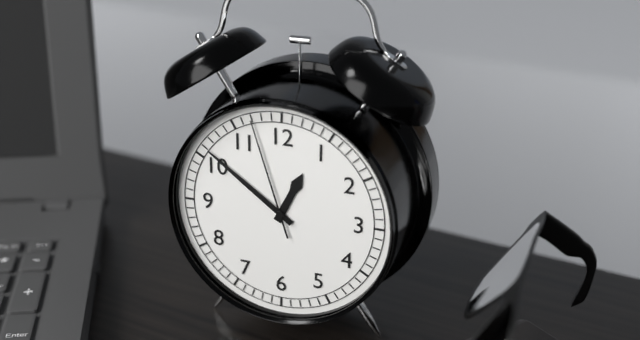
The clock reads 12,51,57
